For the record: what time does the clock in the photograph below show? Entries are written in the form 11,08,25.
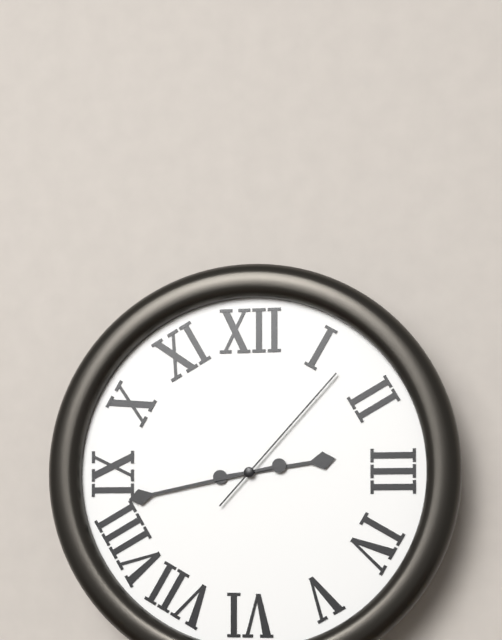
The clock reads 2,43,07
